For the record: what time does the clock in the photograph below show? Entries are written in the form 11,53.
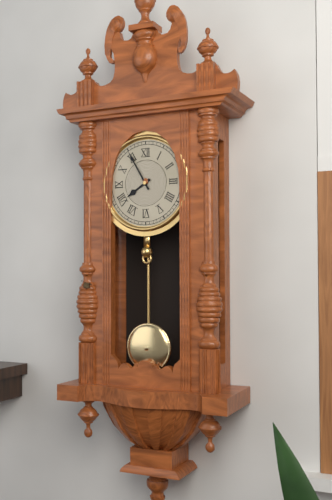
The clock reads 7,55
